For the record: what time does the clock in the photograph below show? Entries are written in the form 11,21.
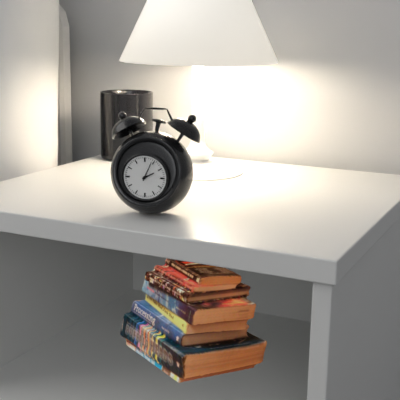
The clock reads 2,04
